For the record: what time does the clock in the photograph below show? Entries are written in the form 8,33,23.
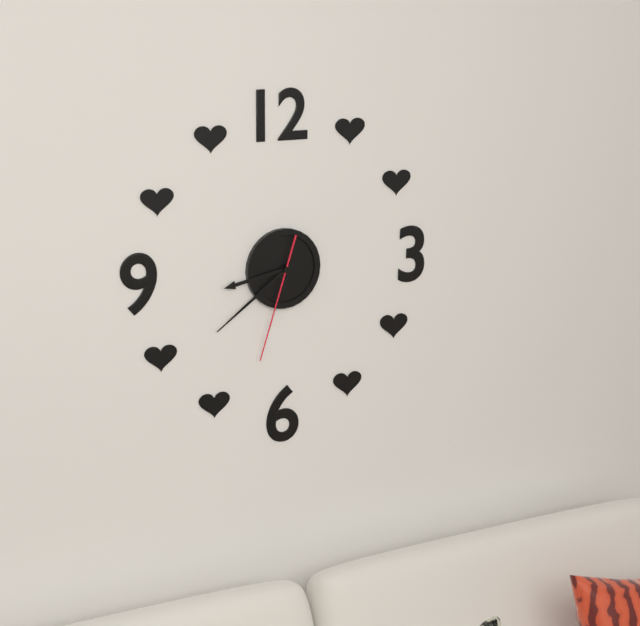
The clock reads 8,39,33
